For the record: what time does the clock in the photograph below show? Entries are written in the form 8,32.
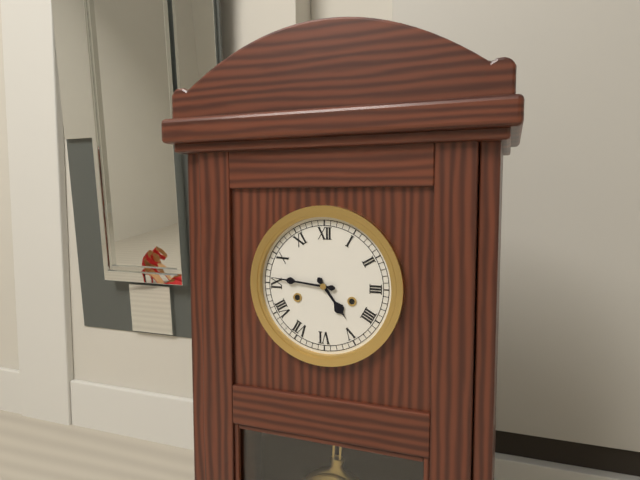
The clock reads 4,46
